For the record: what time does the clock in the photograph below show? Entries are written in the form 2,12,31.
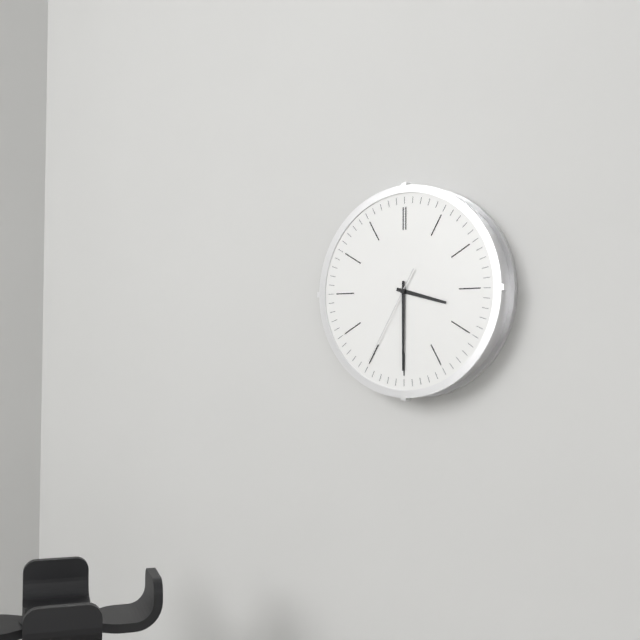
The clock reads 3,30,35
